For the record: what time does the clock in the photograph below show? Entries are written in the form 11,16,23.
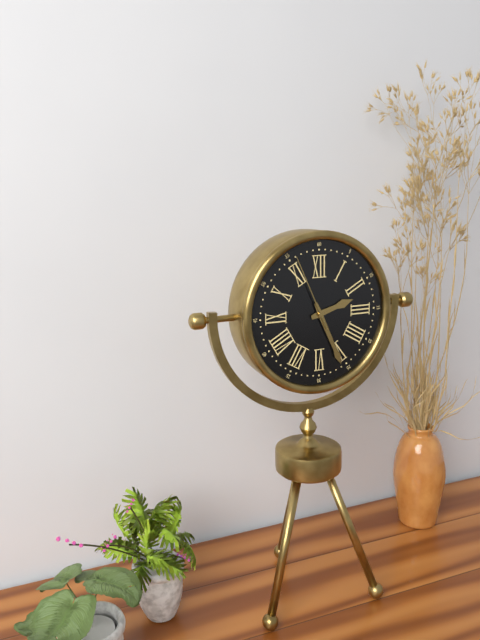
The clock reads 2,26,56
